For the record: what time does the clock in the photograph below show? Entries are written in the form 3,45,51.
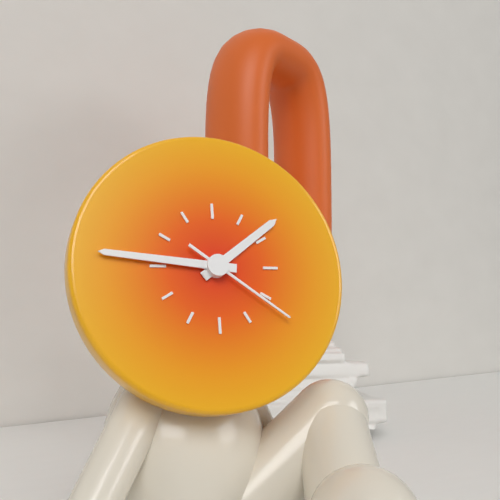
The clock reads 1,46,21
